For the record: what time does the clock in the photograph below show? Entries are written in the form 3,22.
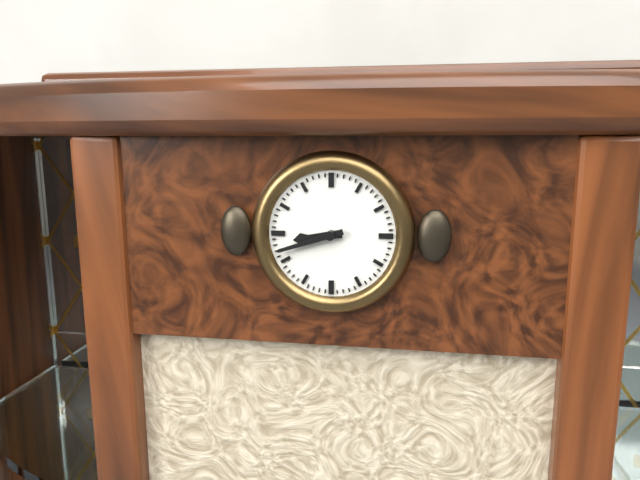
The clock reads 8,42
